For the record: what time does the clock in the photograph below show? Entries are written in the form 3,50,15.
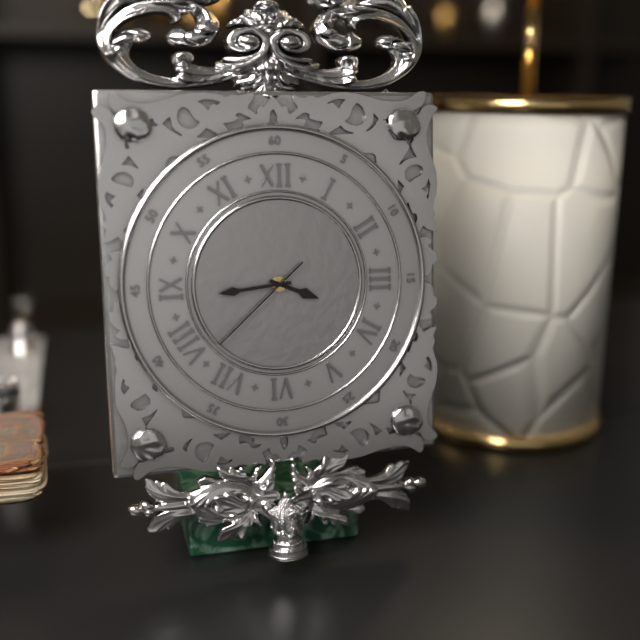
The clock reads 3,44,38
